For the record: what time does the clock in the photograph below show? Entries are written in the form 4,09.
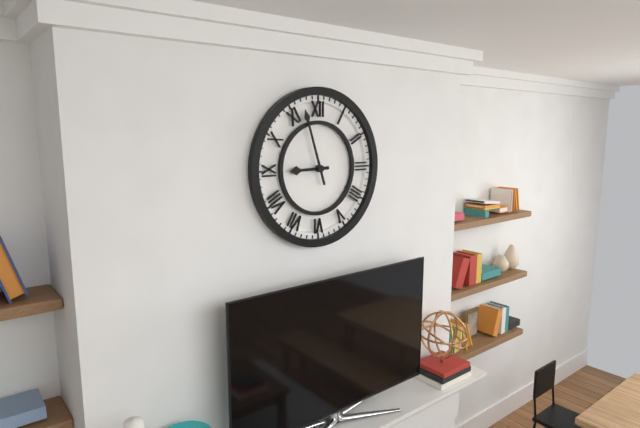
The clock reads 8,57
